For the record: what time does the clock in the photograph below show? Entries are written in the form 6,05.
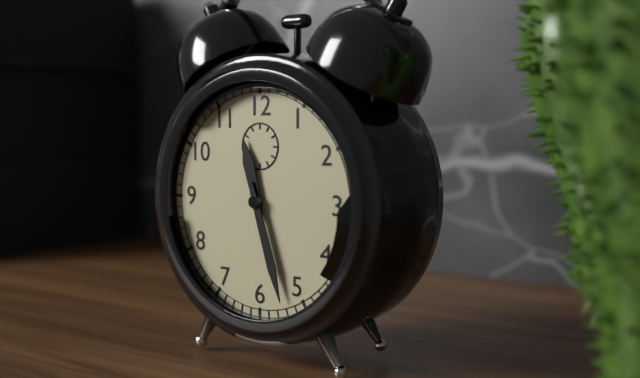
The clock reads 11,27
